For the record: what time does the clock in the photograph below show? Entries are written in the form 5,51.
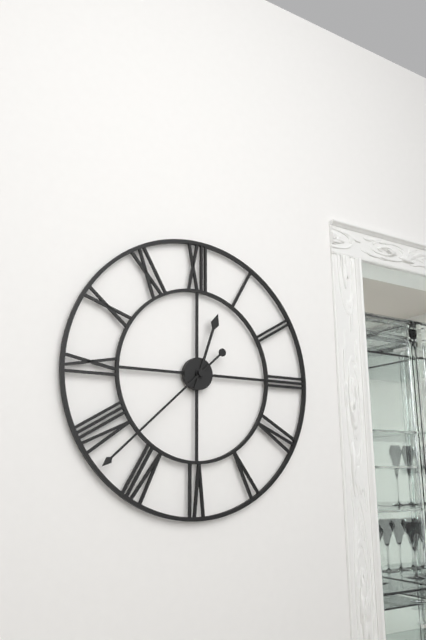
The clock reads 12,38
